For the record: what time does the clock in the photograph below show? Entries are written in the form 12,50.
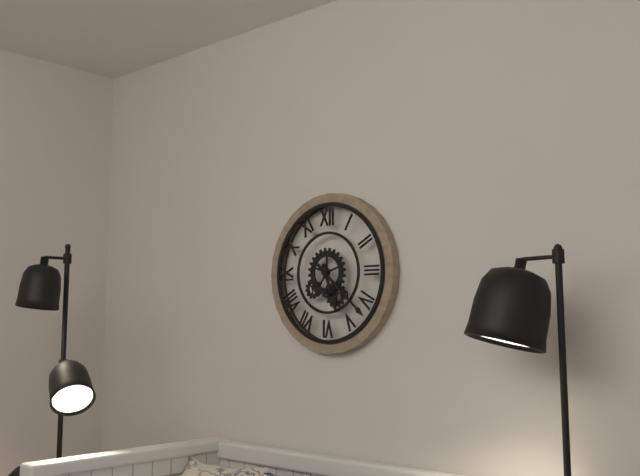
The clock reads 5,22
